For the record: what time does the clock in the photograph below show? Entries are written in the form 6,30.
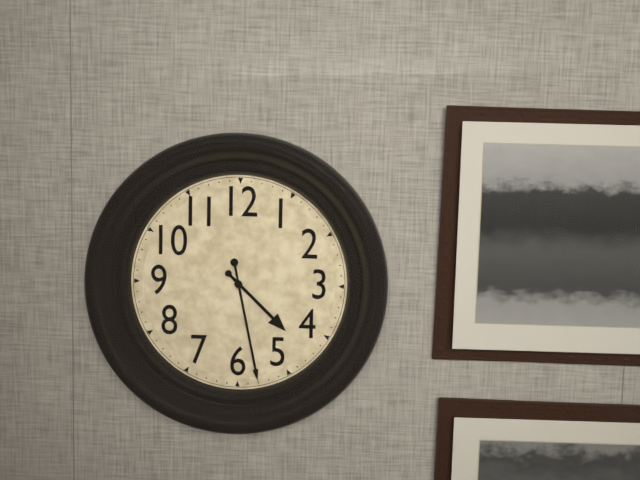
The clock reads 4,28
